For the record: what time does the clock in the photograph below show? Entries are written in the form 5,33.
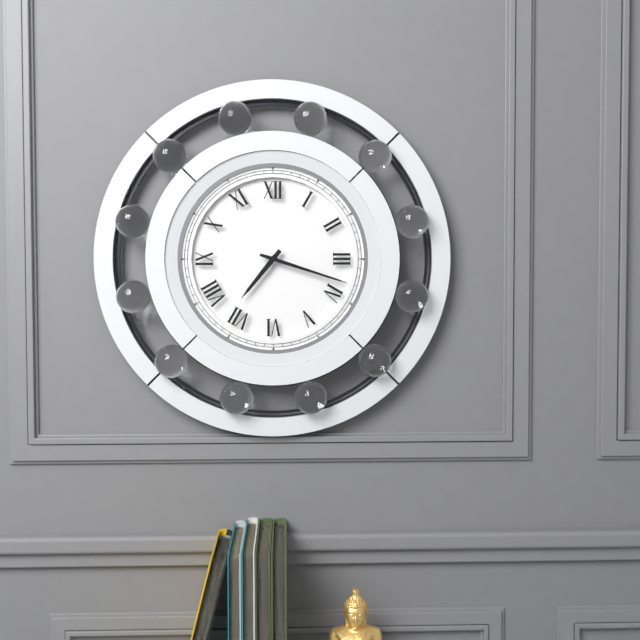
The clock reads 7,18
